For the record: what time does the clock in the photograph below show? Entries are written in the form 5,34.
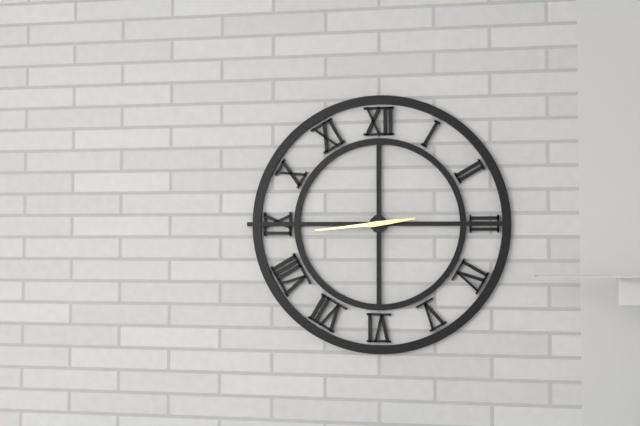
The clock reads 2,44
